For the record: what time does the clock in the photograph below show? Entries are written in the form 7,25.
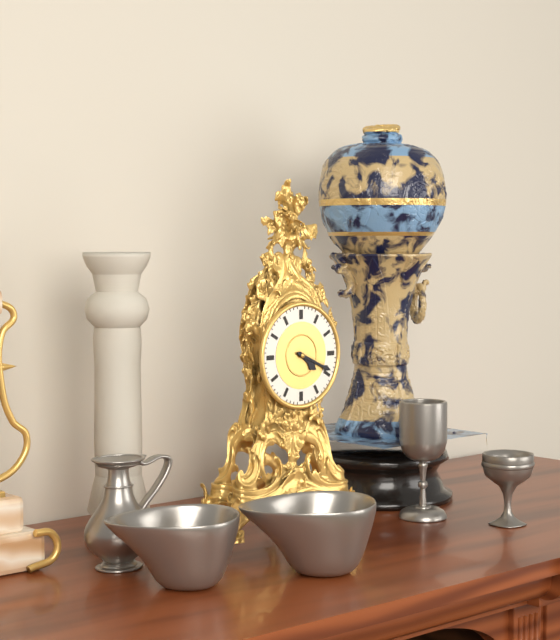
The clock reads 4,19
